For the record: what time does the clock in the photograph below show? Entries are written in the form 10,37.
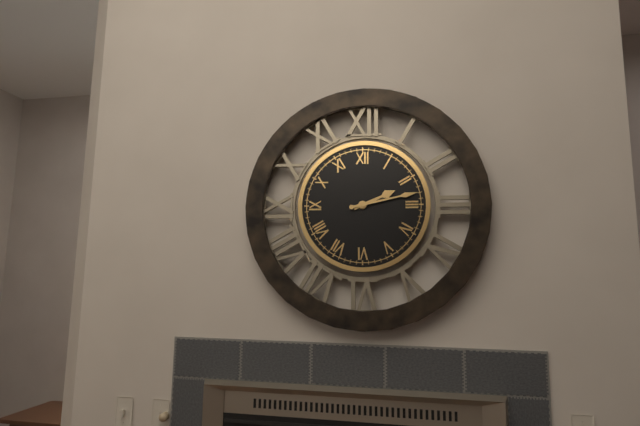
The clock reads 2,13
